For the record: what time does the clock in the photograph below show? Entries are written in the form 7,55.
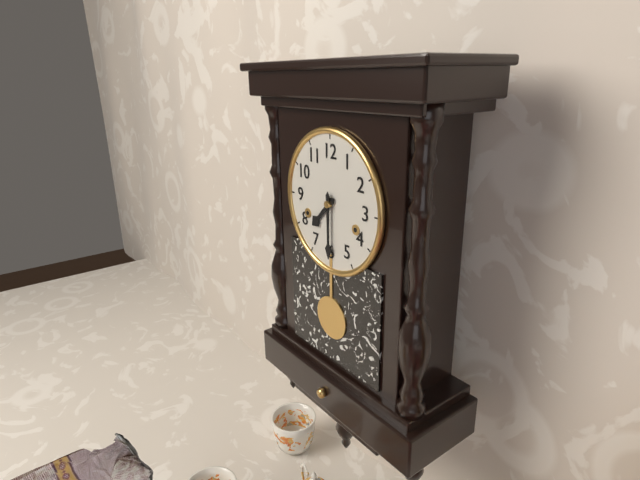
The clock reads 7,30
